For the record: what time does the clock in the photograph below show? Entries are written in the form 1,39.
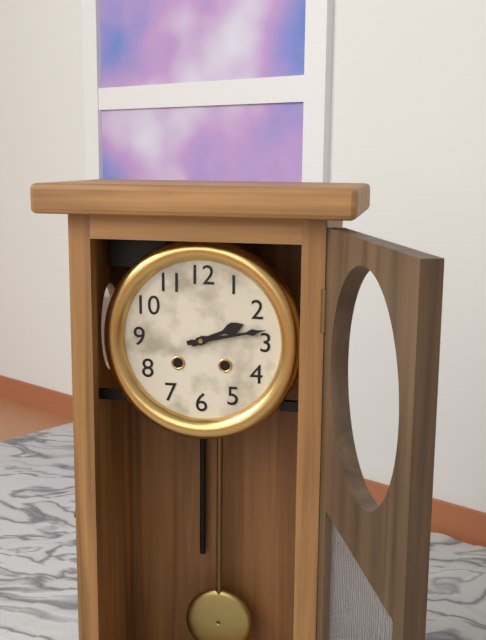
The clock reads 2,13
